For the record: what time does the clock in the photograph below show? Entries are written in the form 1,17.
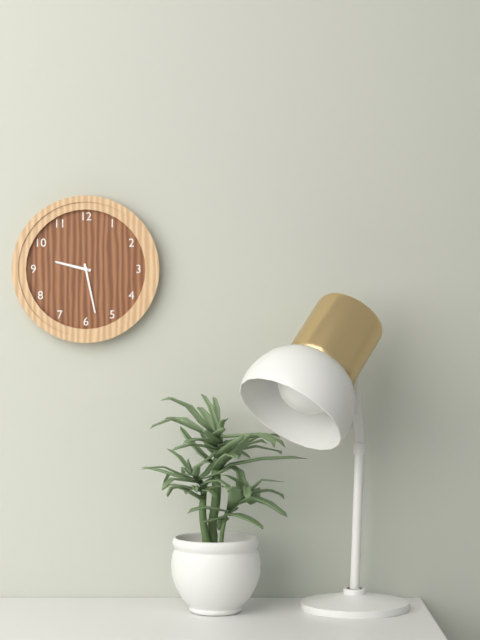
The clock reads 9,28
